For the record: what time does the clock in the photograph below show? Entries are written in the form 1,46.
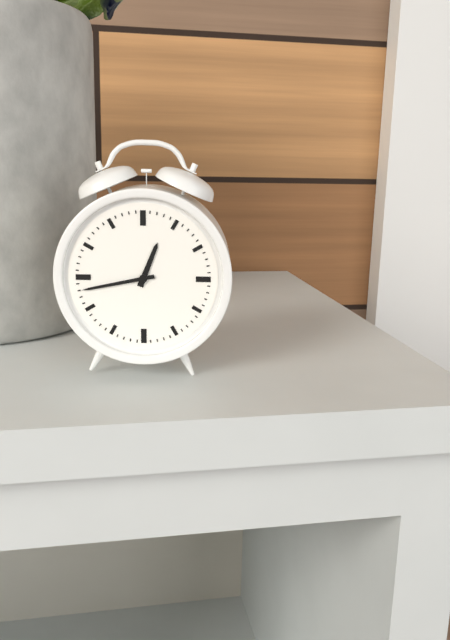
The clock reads 12,43
